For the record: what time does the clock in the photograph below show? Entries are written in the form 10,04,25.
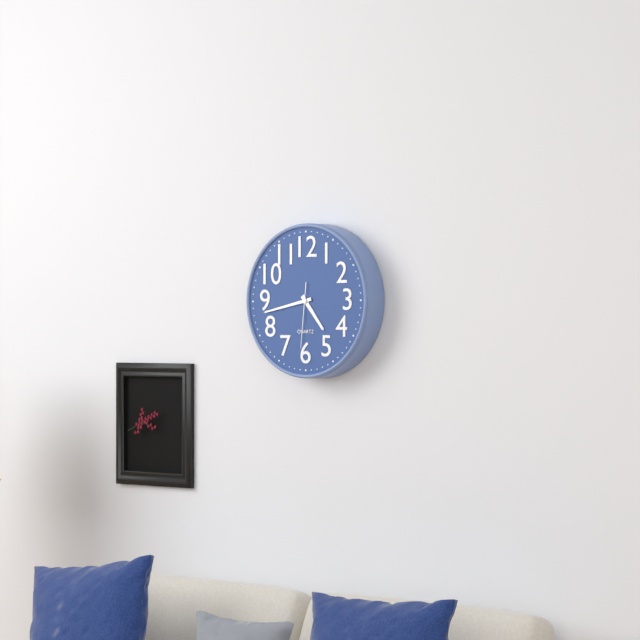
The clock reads 4,43,31
